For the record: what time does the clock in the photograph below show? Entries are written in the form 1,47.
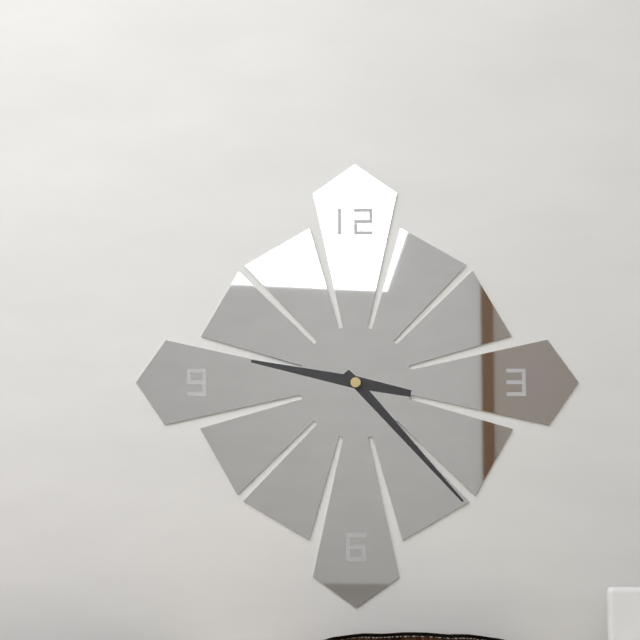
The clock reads 9,23
